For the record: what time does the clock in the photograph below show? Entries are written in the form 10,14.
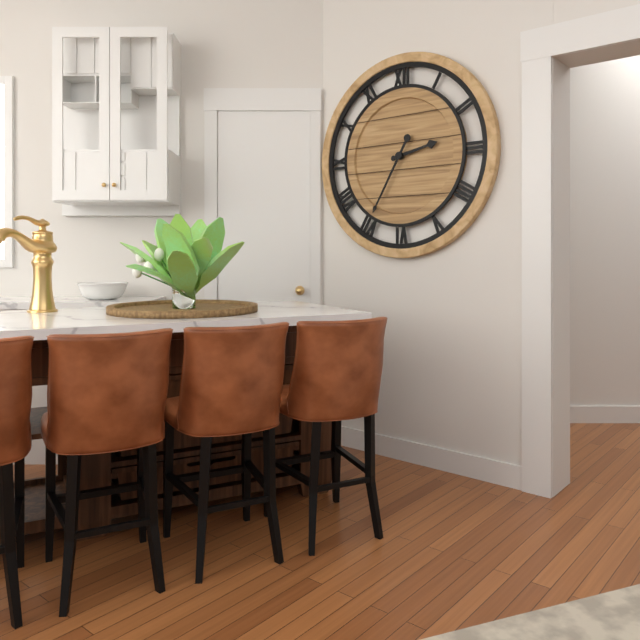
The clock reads 2,35
